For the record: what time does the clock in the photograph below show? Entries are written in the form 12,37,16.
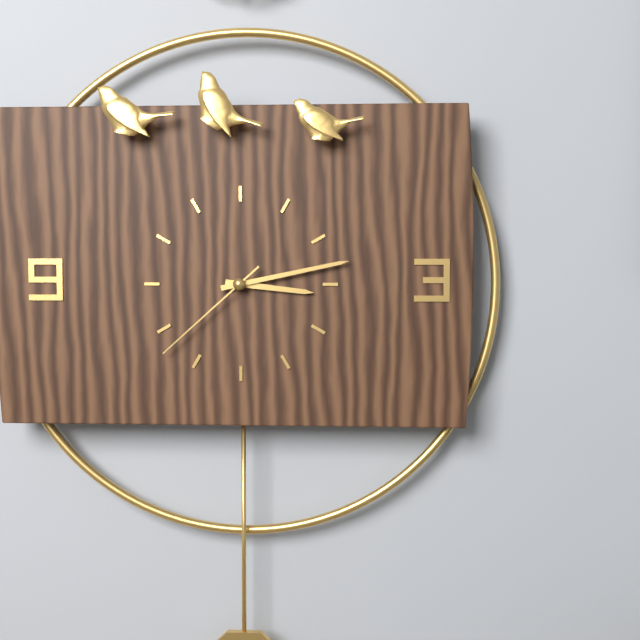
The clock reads 3,13,38
